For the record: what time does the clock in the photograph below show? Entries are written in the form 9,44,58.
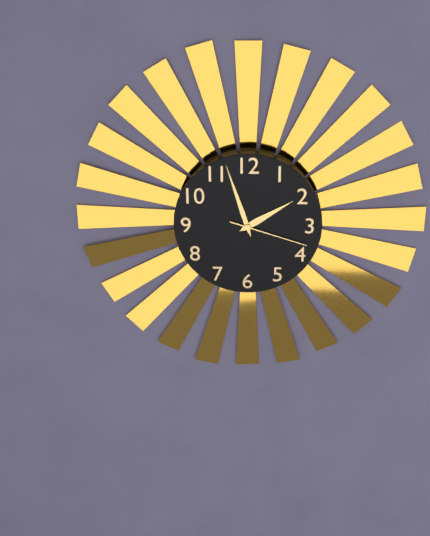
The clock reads 1,57,18
